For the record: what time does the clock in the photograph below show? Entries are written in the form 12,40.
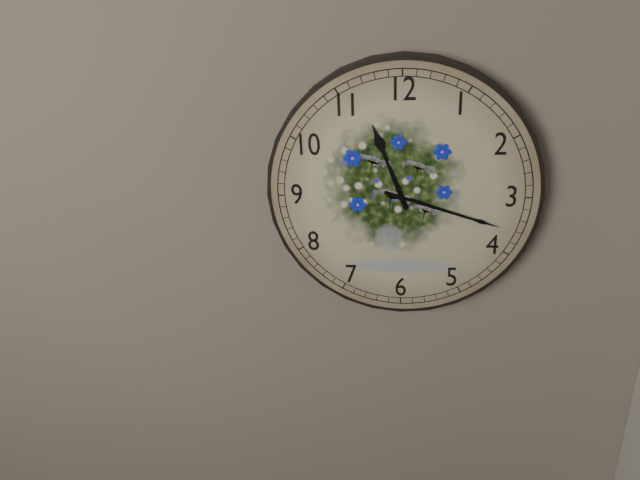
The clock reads 11,18
